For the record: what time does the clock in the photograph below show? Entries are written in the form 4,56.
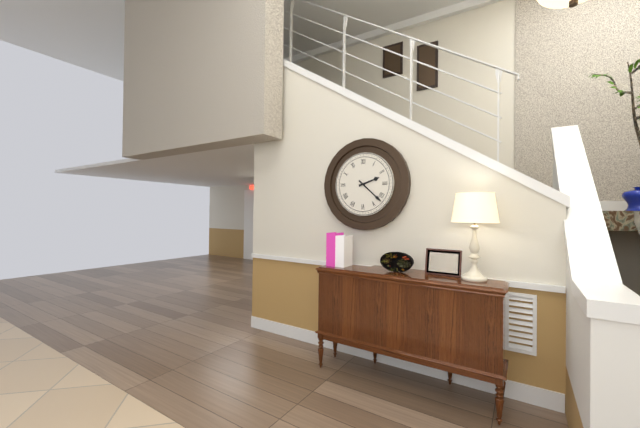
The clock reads 2,22
